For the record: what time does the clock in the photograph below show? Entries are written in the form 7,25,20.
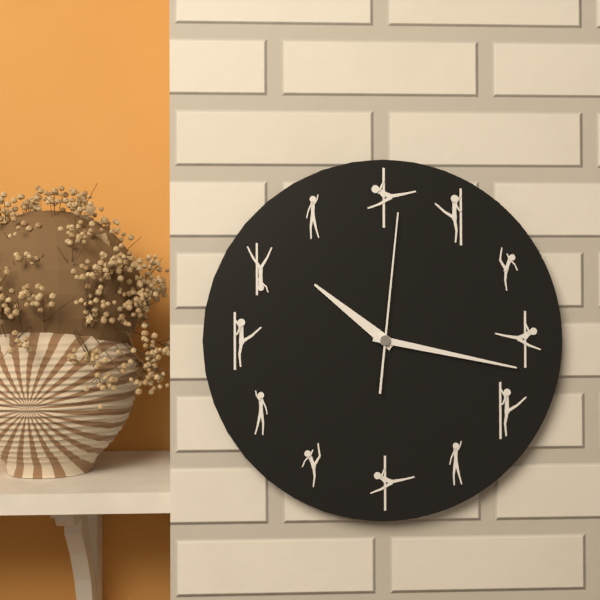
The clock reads 10,17,01
